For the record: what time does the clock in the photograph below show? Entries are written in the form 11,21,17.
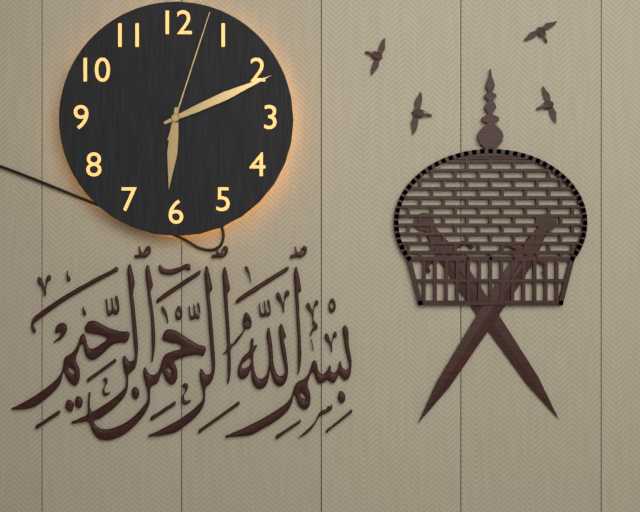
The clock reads 6,11,03
